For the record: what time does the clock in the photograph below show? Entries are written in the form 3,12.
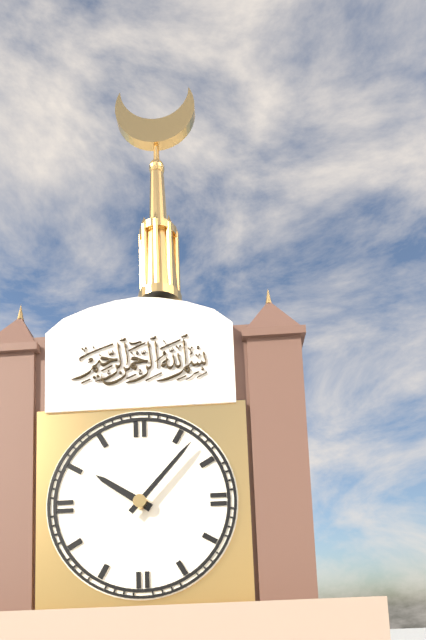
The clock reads 10,07
